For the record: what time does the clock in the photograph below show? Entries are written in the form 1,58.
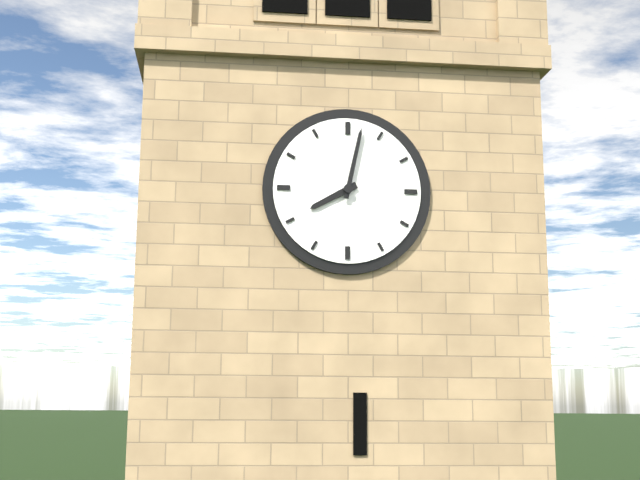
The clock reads 8,02
